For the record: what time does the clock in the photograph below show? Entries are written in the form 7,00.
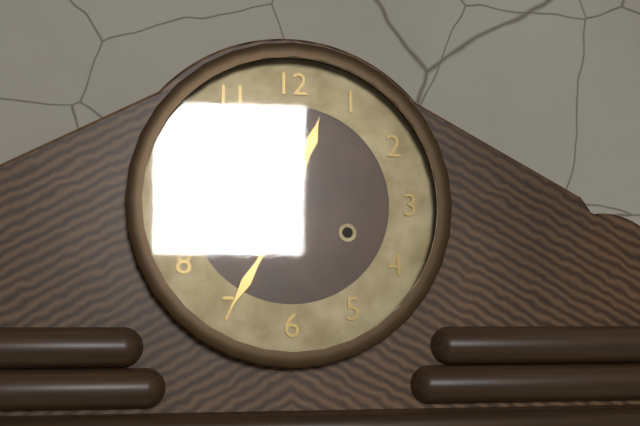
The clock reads 12,35
